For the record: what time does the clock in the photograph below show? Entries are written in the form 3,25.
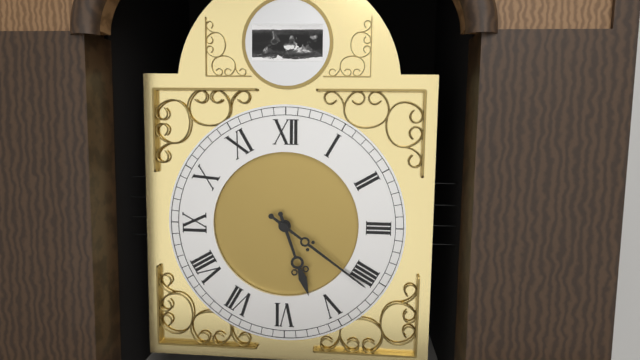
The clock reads 5,21
